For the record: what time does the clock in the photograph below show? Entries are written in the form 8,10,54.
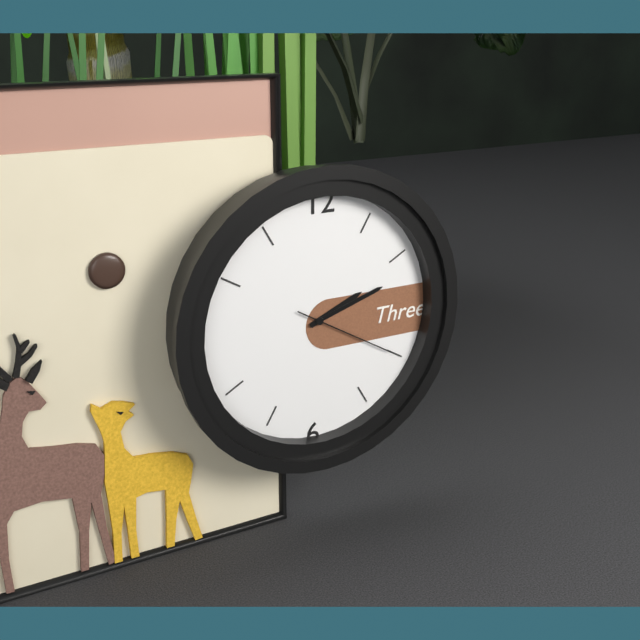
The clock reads 2,12,20
